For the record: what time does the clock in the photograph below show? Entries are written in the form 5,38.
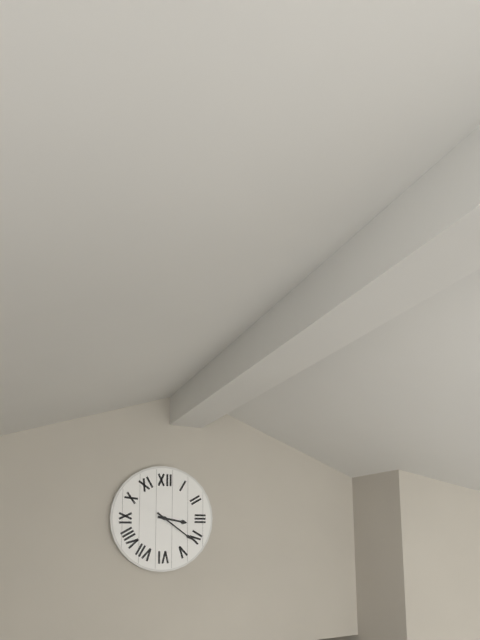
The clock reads 3,21
